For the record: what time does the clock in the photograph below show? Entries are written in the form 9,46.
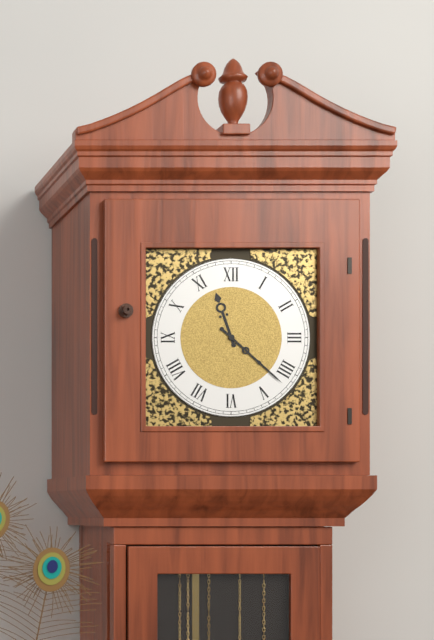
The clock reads 11,22
